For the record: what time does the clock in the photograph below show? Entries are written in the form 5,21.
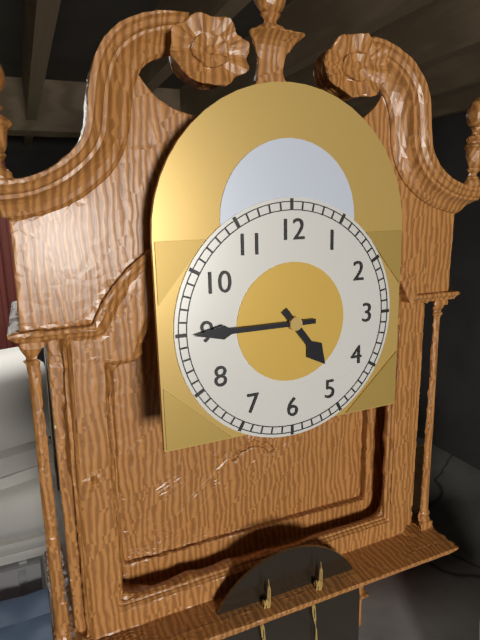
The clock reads 4,45
